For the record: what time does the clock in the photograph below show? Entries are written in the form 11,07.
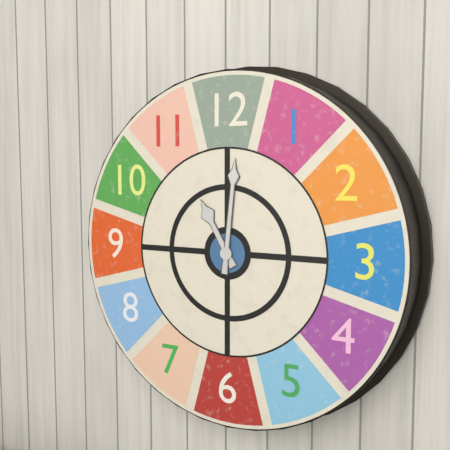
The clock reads 11,01
